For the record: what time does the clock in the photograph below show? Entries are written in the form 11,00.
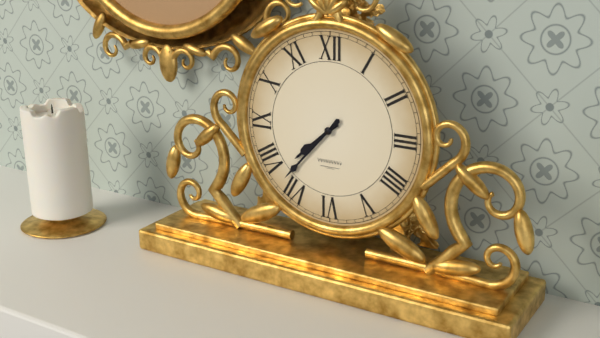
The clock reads 7,37
